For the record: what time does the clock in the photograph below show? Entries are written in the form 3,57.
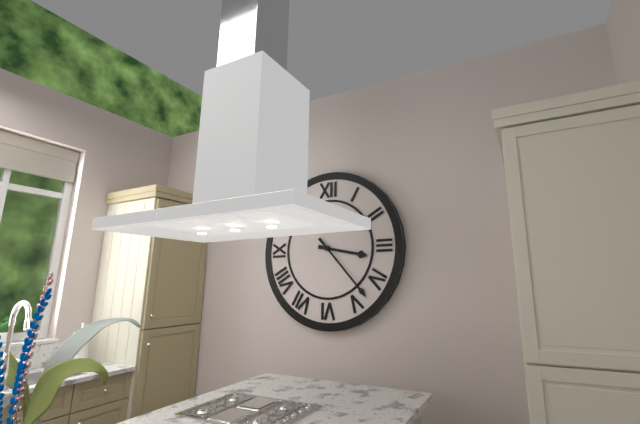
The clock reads 3,23
